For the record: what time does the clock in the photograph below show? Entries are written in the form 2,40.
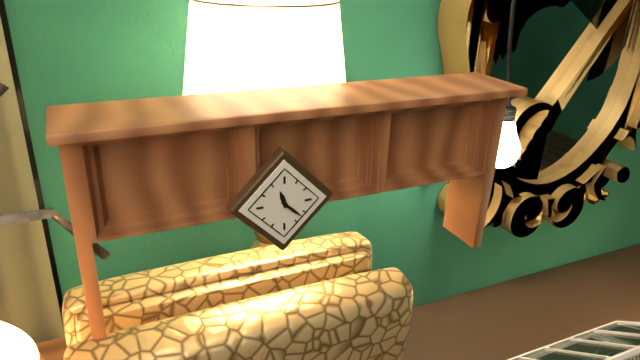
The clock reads 11,22
